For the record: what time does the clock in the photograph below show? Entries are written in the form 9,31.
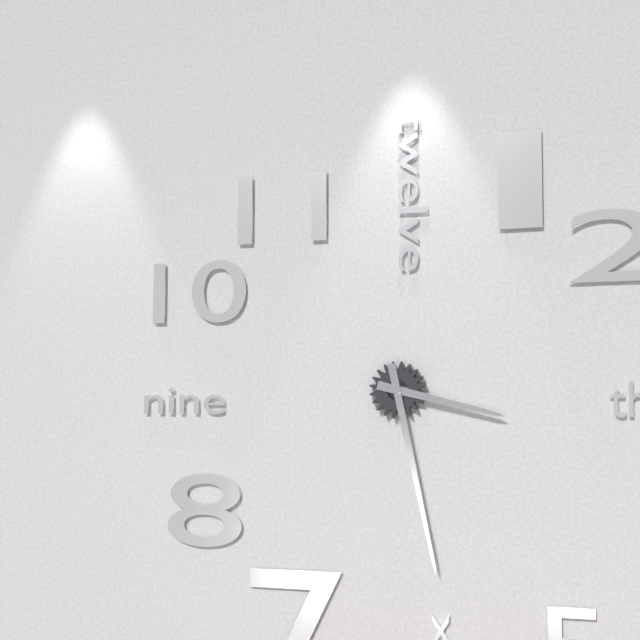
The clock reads 3,28
